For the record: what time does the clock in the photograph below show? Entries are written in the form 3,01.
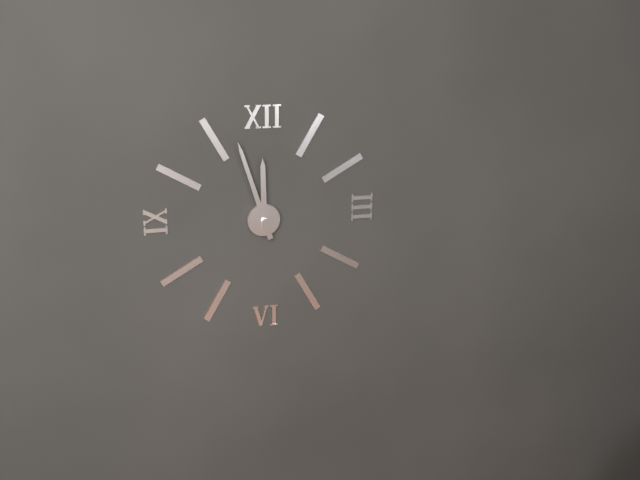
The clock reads 11,57
